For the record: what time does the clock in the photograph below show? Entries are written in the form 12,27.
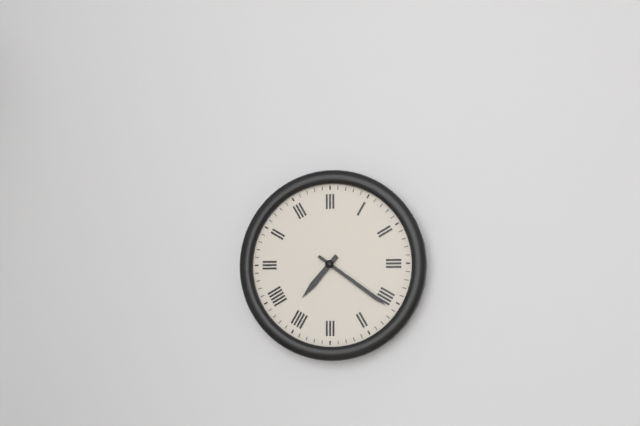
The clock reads 7,21
